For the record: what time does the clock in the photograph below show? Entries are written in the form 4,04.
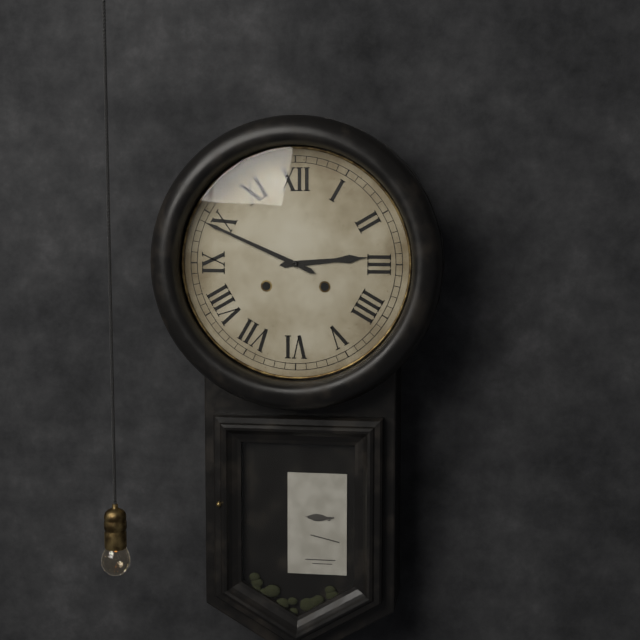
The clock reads 2,49
